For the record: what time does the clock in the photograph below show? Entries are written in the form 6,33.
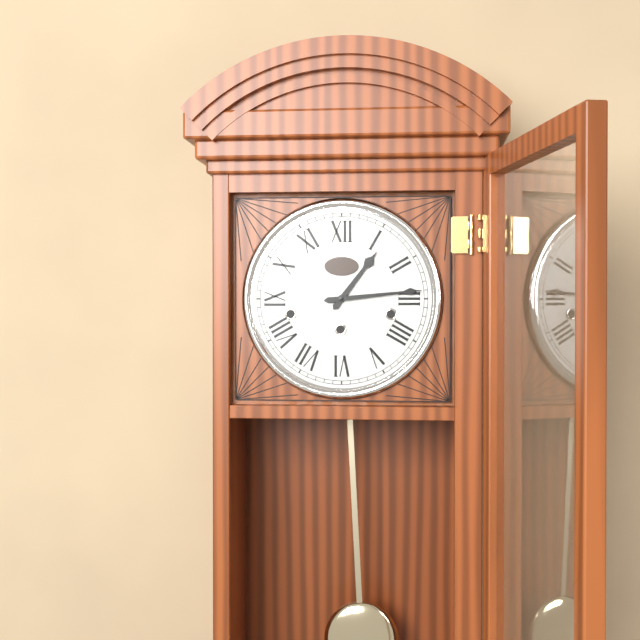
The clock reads 1,14
